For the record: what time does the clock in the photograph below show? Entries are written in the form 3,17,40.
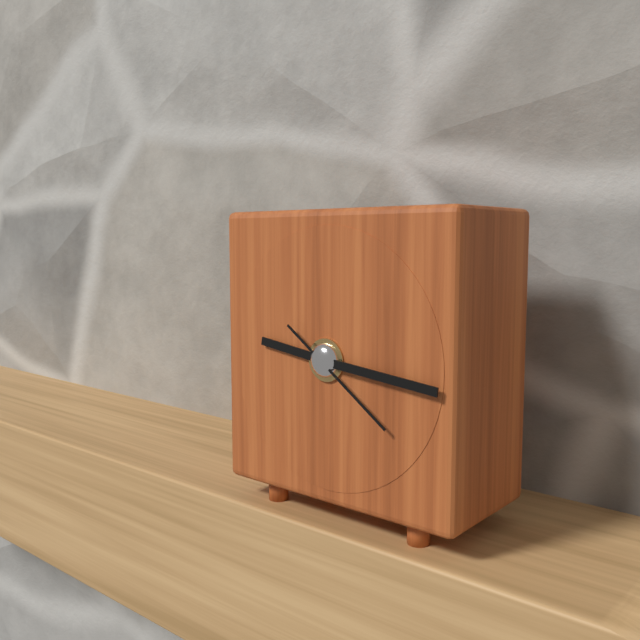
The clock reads 9,16,21
